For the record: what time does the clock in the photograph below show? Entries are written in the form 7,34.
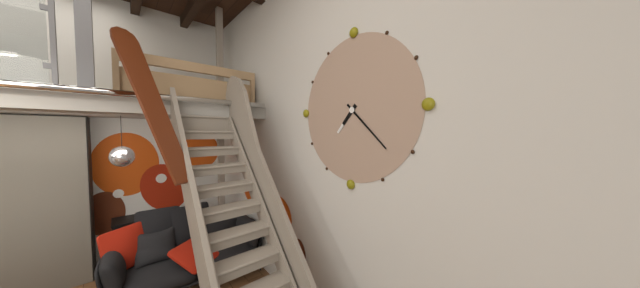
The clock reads 7,22
